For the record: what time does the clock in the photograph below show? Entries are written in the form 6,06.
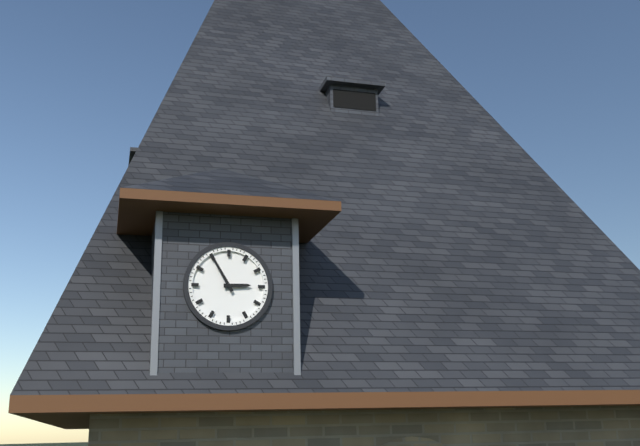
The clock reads 2,55
